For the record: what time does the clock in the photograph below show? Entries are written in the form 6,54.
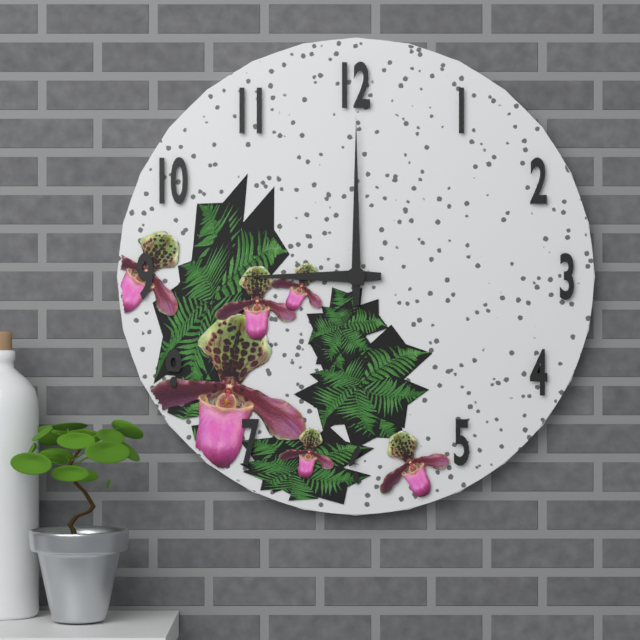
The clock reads 9,00
